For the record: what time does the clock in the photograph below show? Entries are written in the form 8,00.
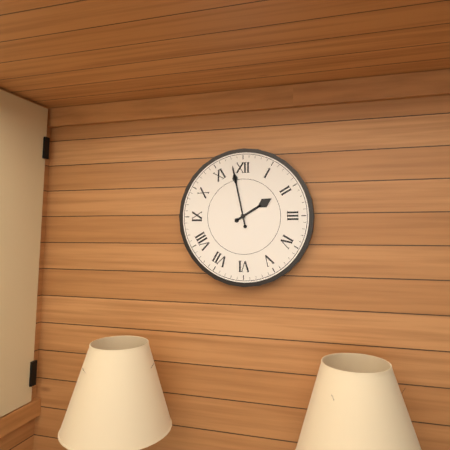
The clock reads 1,58
